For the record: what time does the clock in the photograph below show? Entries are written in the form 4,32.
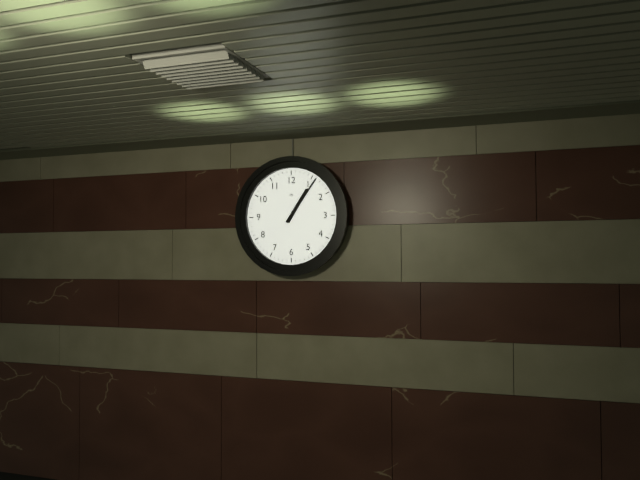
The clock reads 1,06
